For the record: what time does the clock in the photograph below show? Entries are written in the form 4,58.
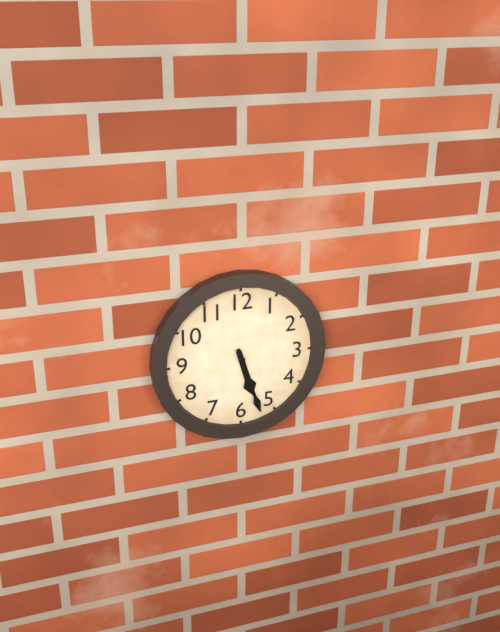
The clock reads 5,27
